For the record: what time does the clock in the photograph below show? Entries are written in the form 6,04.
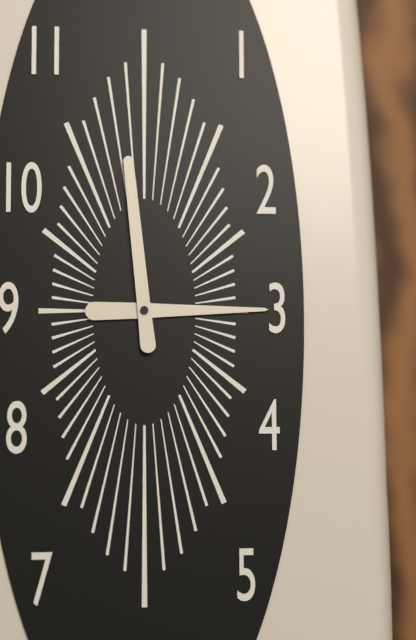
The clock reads 2,59
